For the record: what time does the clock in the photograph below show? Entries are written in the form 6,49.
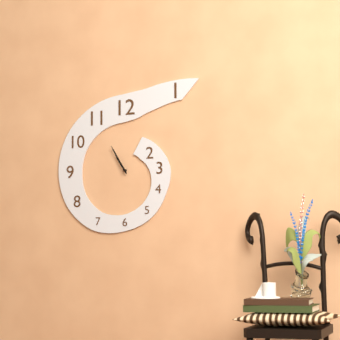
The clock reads 10,55
